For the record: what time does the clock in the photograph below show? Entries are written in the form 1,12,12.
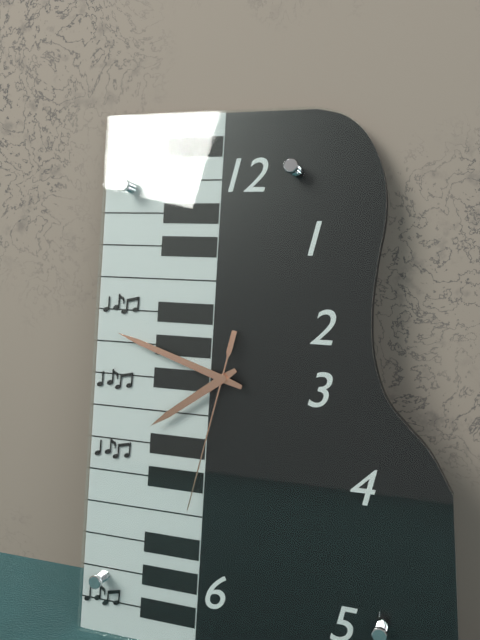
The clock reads 7,48,32
